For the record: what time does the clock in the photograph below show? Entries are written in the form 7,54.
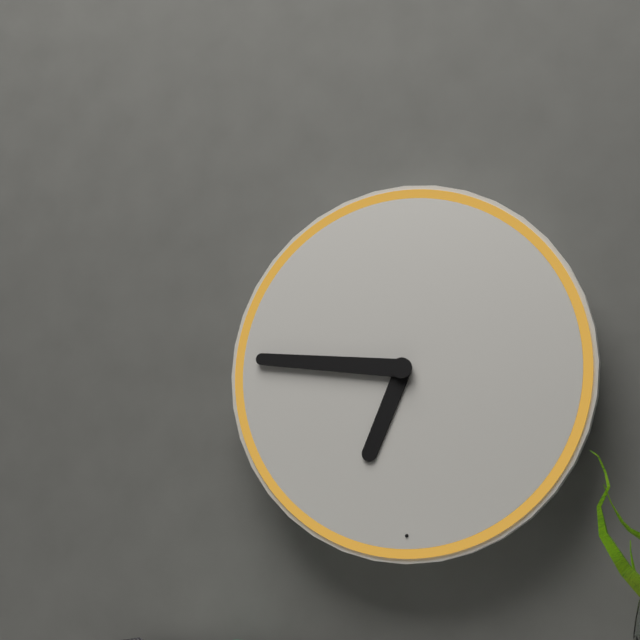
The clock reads 6,46
